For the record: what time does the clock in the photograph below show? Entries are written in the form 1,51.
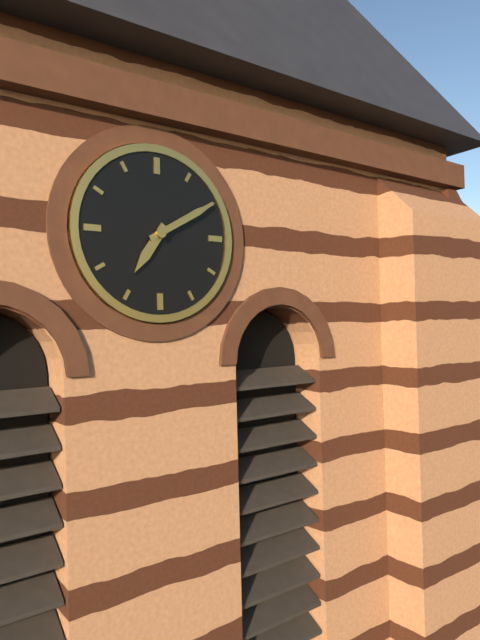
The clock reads 7,10
